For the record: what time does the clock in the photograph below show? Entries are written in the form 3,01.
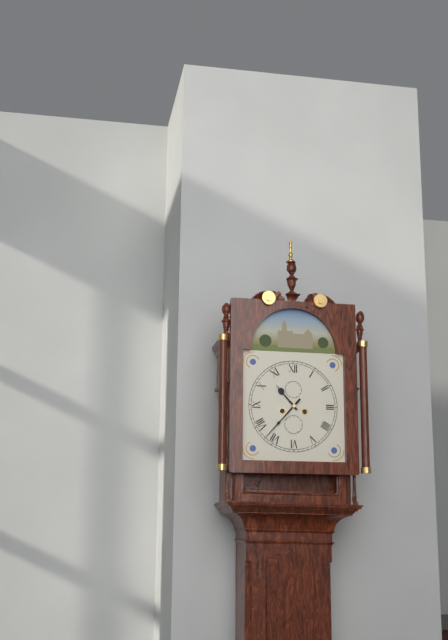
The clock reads 10,37
